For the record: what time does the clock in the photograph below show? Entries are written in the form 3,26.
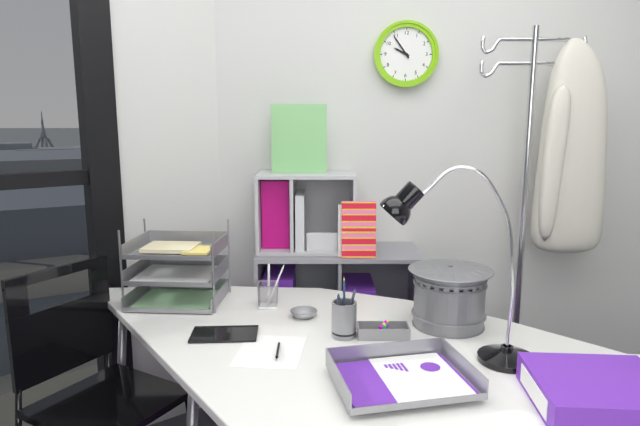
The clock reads 9,54
